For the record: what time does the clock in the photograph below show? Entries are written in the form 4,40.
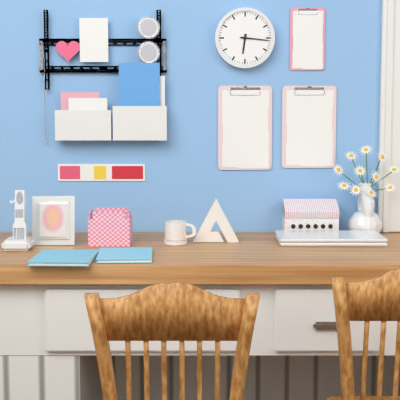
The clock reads 6,16
